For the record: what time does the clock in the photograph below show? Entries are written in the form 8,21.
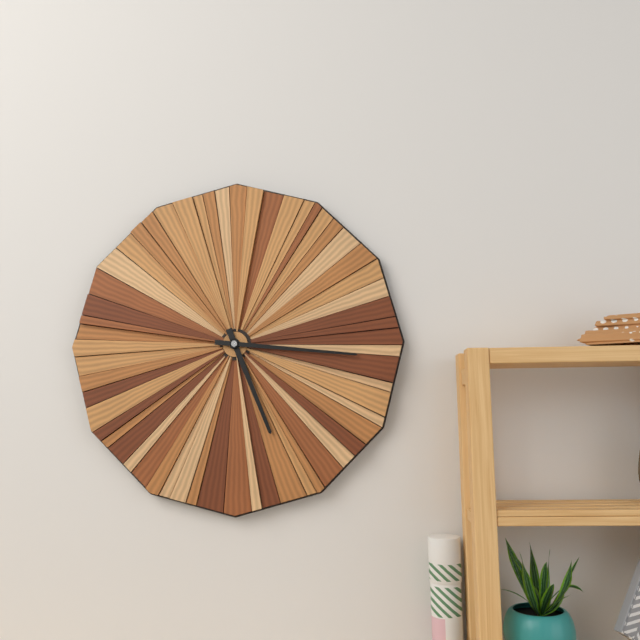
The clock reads 5,16
